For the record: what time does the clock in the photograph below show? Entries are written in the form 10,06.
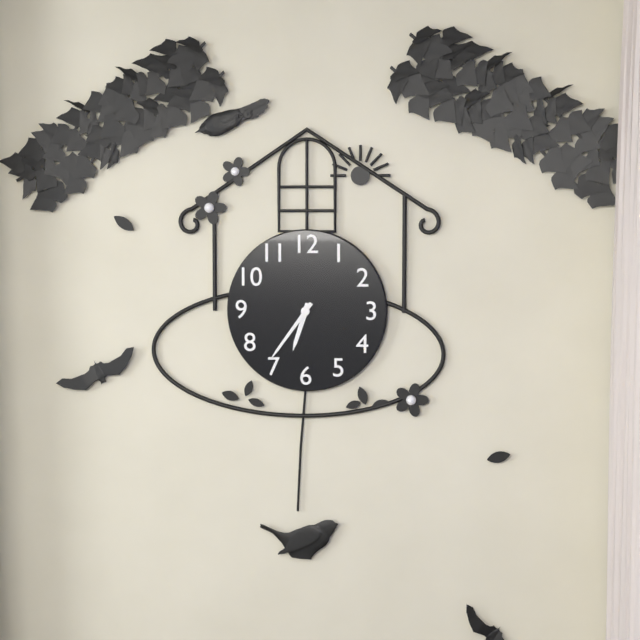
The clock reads 6,36
